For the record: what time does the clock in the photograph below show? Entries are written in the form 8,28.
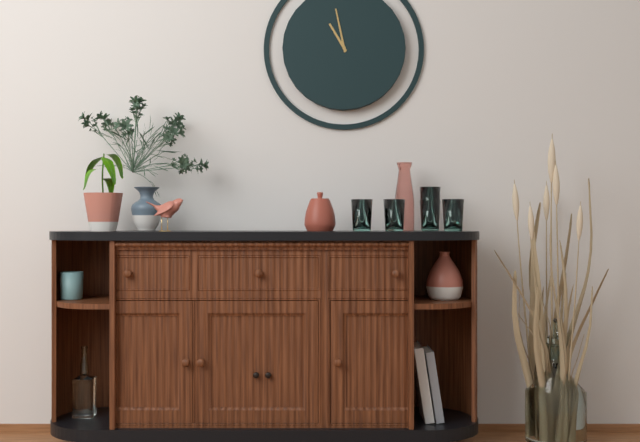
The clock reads 10,58
